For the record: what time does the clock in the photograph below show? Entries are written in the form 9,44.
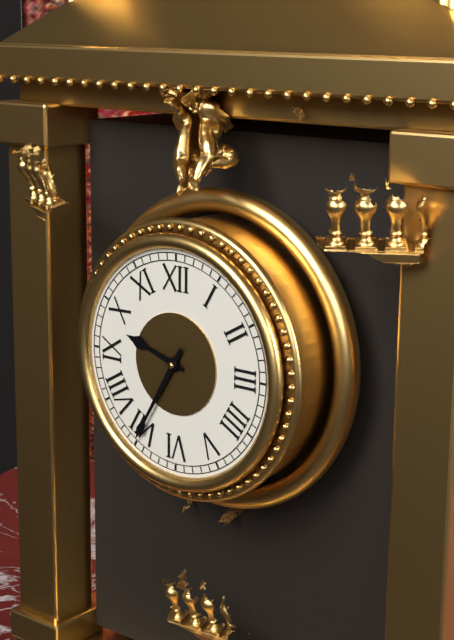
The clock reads 9,35
